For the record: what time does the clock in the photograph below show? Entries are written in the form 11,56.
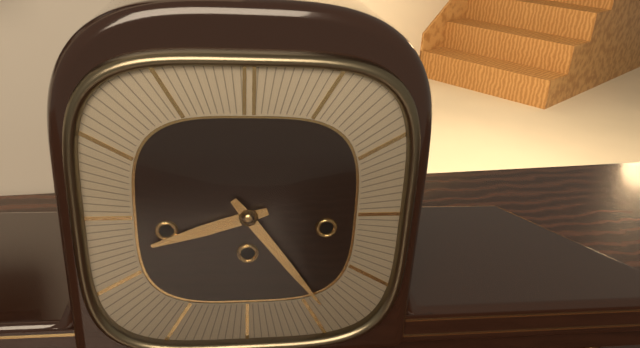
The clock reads 8,24
